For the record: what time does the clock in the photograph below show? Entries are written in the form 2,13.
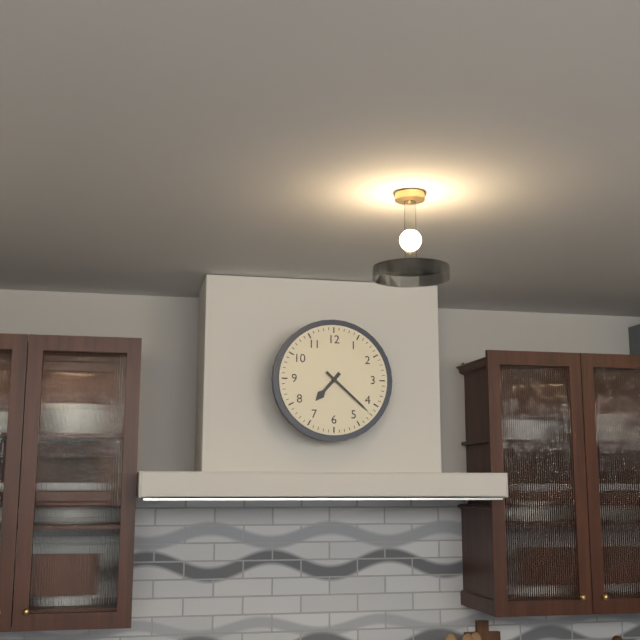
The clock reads 7,22
